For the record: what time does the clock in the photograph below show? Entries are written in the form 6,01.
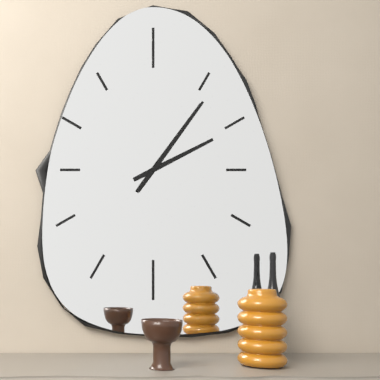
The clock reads 2,06
